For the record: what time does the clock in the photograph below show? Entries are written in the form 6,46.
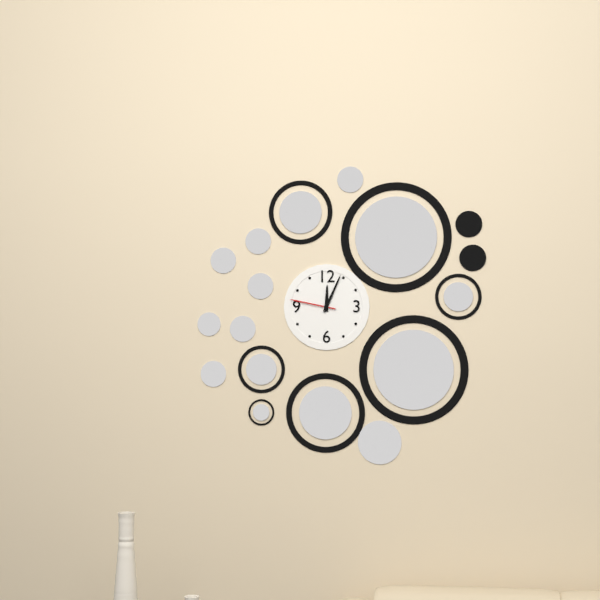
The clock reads 12,04
